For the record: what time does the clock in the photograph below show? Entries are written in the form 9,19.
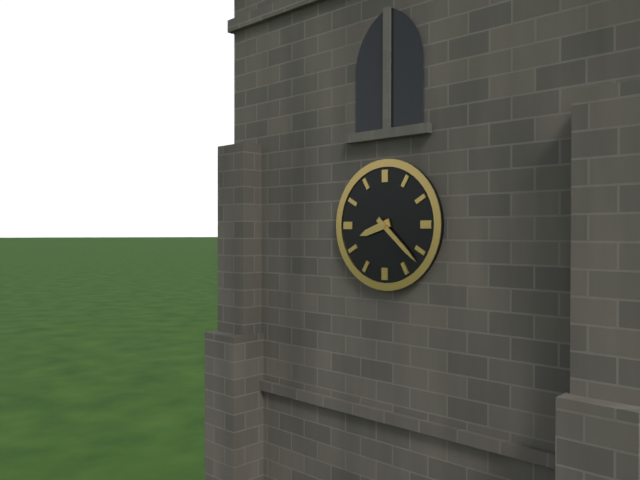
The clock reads 8,22
